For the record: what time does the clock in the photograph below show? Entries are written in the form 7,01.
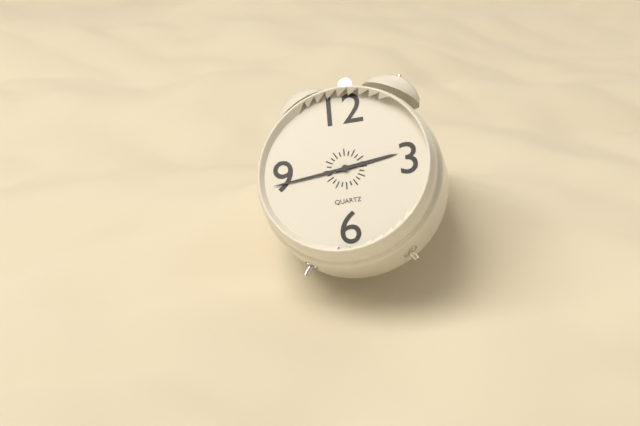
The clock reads 2,44
